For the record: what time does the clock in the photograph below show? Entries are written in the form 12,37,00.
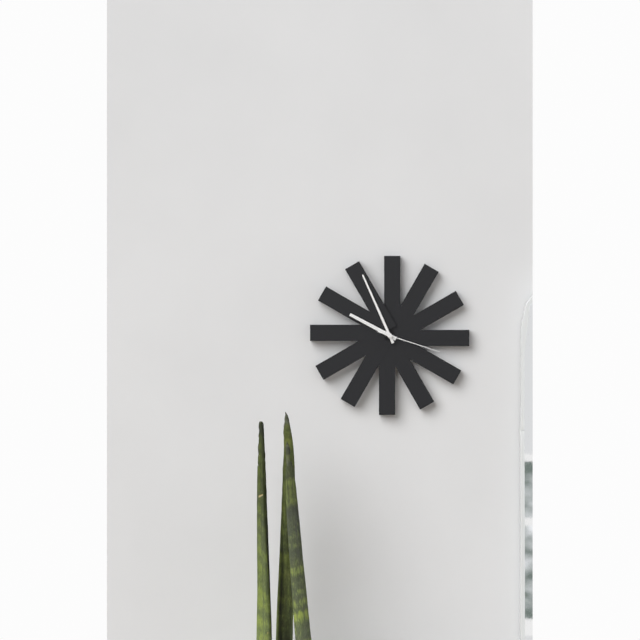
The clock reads 9,56,18
